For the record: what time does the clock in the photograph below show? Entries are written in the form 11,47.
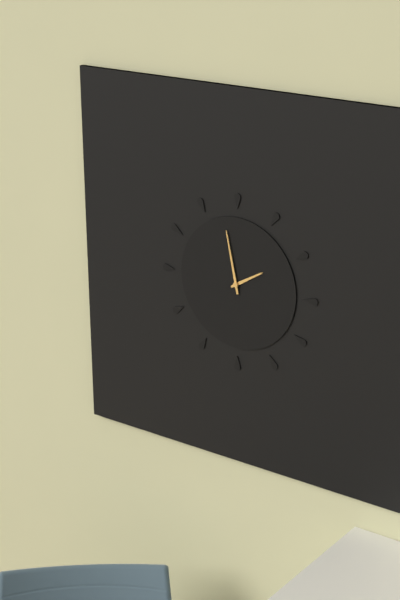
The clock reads 1,58
